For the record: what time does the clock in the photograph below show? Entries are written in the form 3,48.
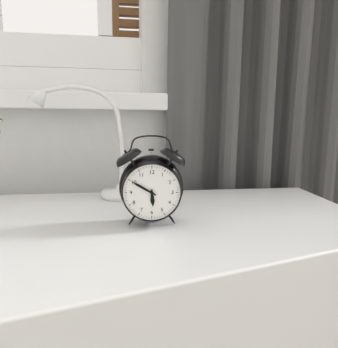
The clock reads 5,50
